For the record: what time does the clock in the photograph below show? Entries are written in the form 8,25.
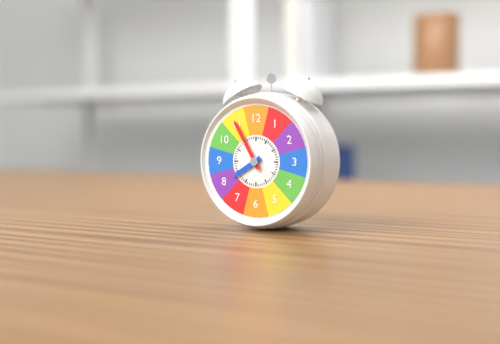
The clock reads 7,55
